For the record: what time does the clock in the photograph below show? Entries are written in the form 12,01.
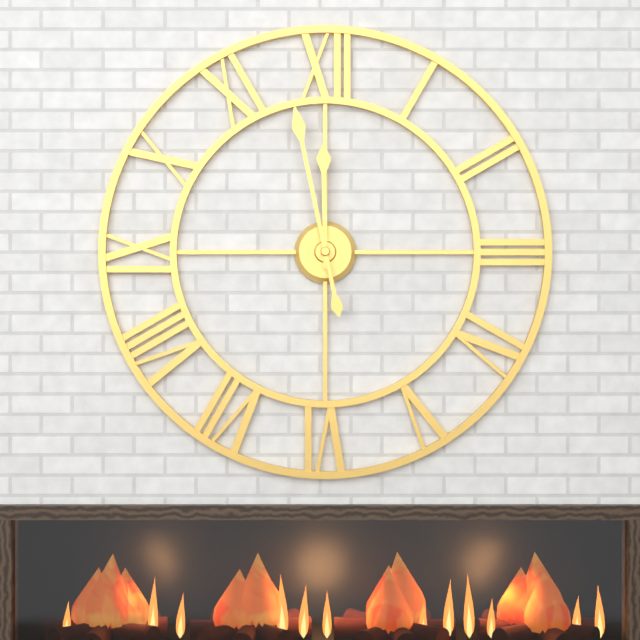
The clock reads 11,58
